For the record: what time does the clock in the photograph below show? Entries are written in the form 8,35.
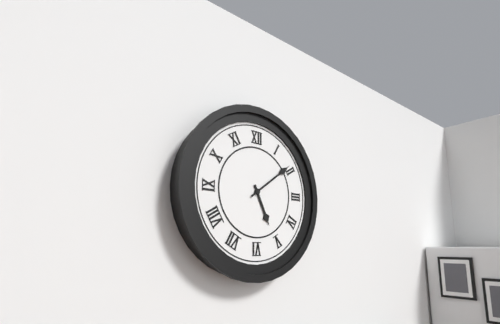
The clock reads 5,09
